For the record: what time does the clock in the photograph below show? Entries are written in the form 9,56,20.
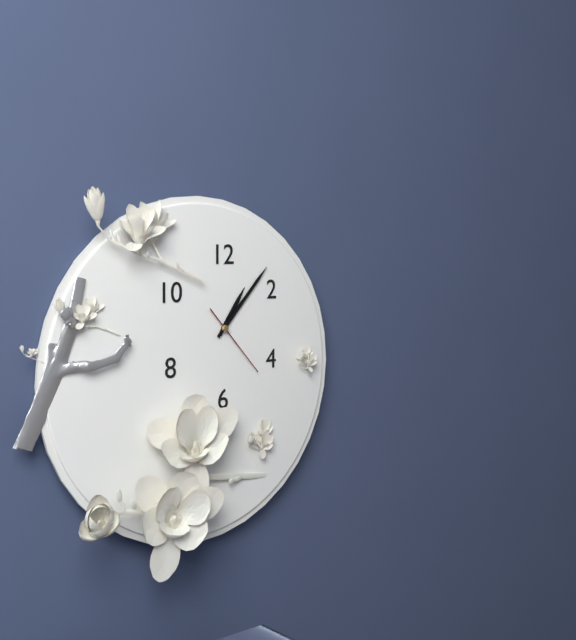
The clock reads 1,07,23
